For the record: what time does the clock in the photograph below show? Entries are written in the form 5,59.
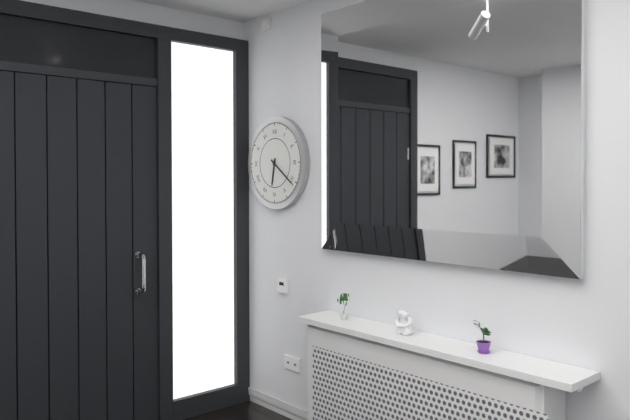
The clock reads 6,21
